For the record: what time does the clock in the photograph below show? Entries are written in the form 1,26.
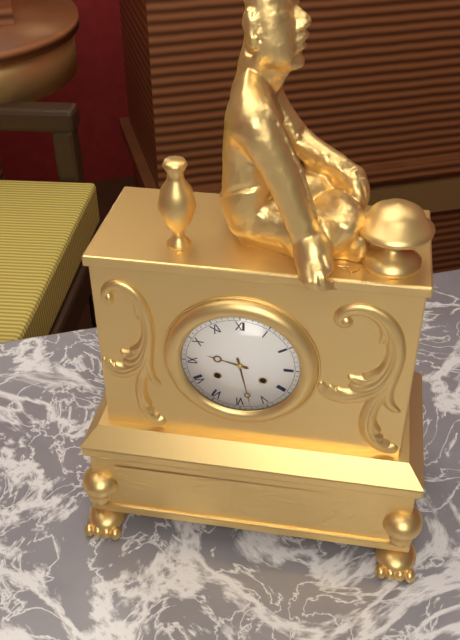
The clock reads 9,28
